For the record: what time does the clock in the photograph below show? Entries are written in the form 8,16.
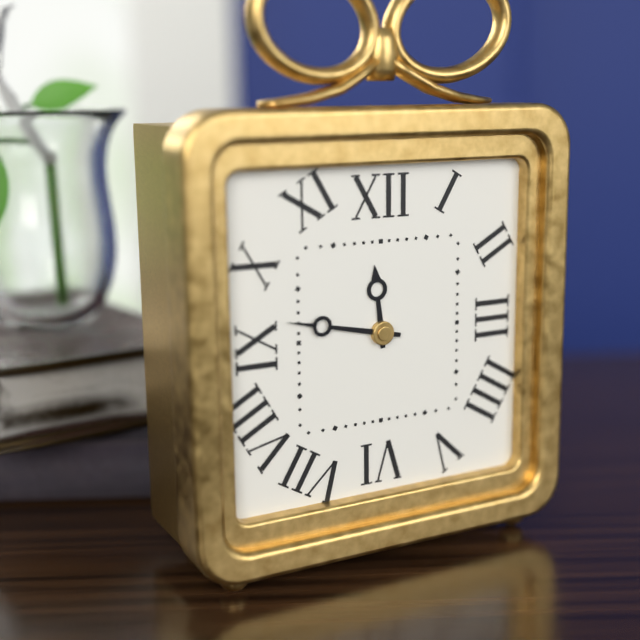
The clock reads 11,47
